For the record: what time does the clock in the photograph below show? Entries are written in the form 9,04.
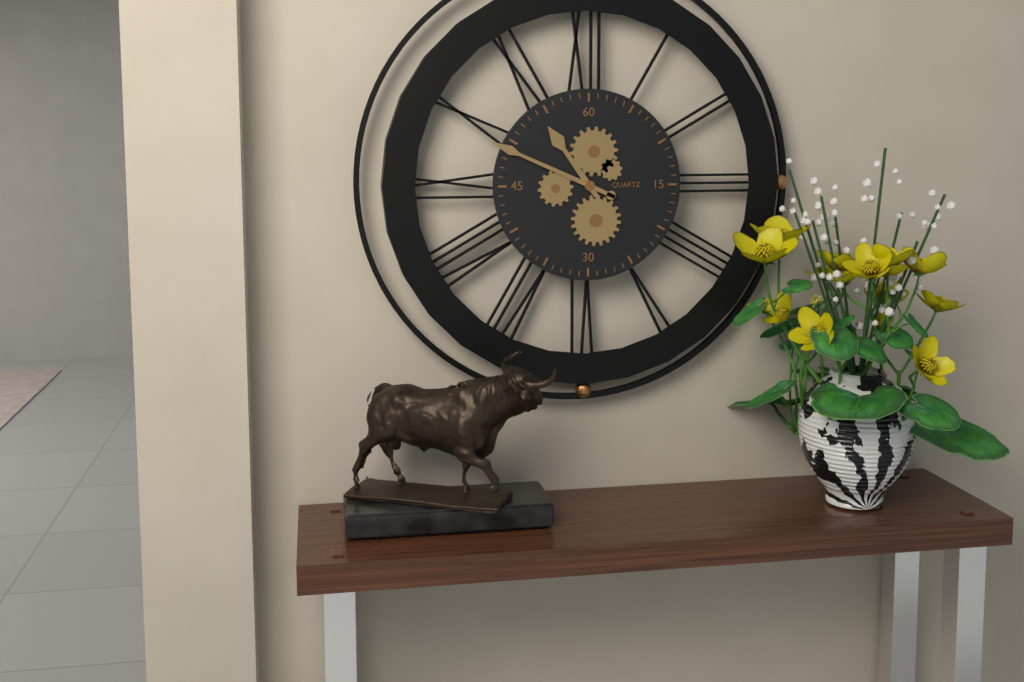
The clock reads 10,49
